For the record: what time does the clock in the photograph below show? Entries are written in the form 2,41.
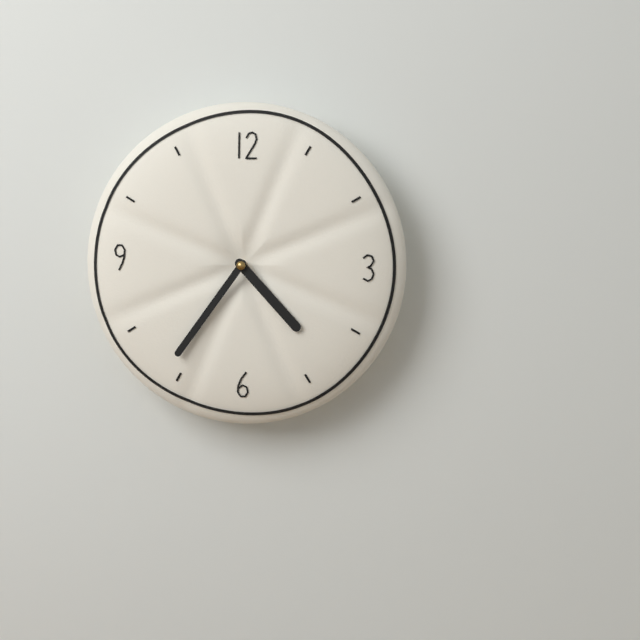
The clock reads 4,36
